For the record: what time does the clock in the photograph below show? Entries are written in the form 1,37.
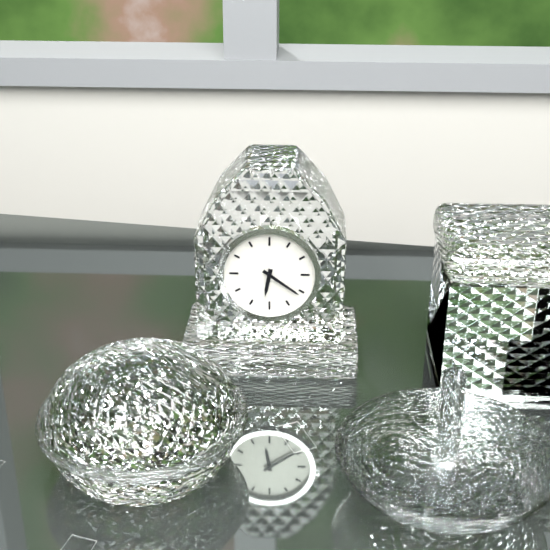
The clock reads 6,21
